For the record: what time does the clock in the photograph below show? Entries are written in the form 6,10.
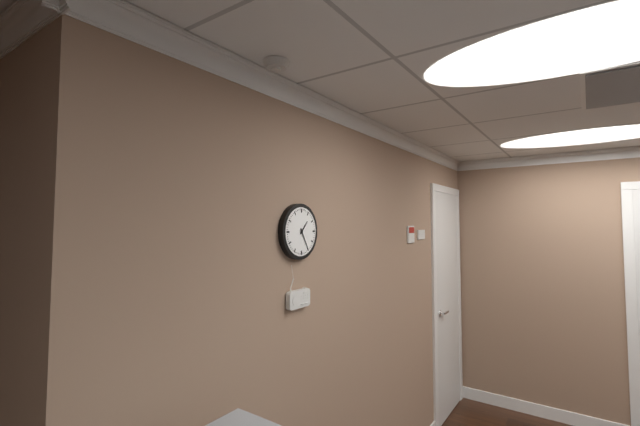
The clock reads 1,25
